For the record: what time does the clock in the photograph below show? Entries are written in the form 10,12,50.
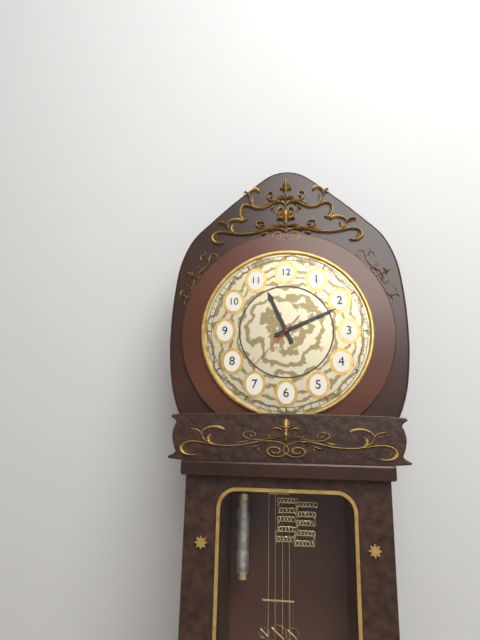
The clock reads 11,11,37
